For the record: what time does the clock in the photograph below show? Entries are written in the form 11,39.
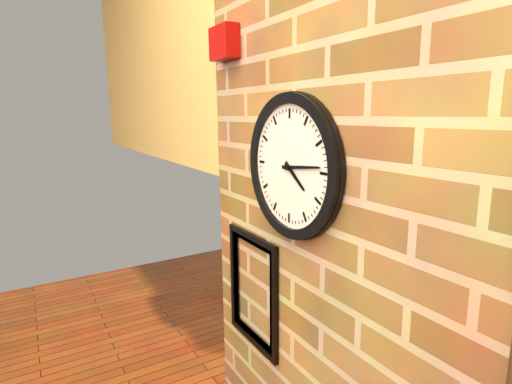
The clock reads 4,14
